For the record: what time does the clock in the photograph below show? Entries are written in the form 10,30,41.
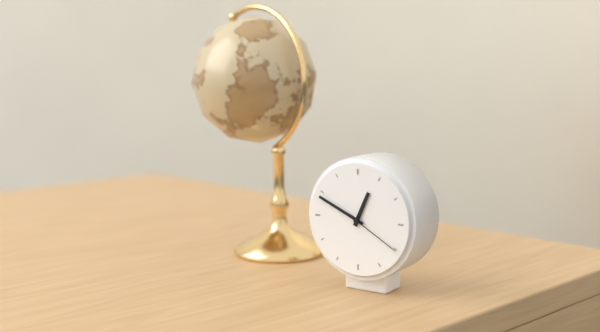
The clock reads 12,49,20
